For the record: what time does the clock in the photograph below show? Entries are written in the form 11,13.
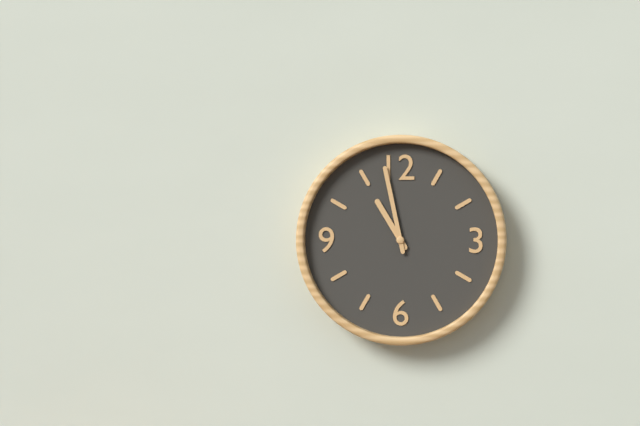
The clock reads 10,58
